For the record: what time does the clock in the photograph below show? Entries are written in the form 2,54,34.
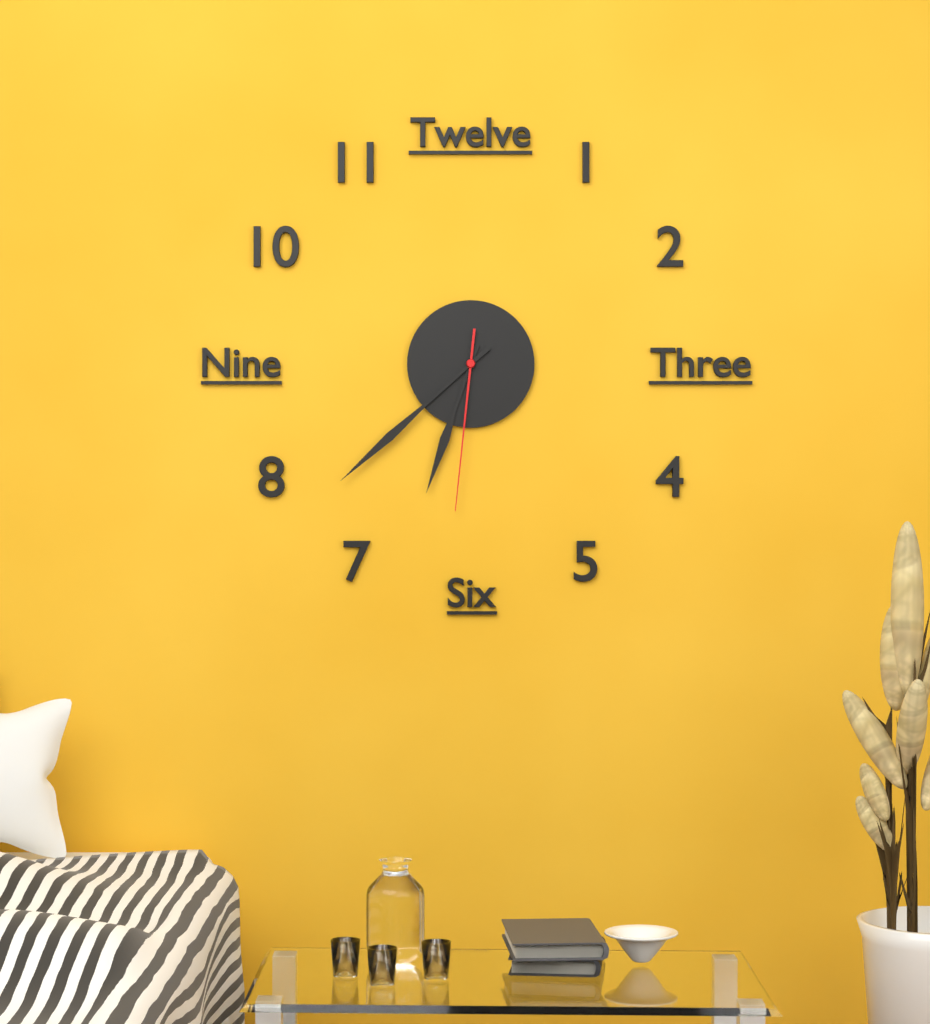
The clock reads 6,38,31
